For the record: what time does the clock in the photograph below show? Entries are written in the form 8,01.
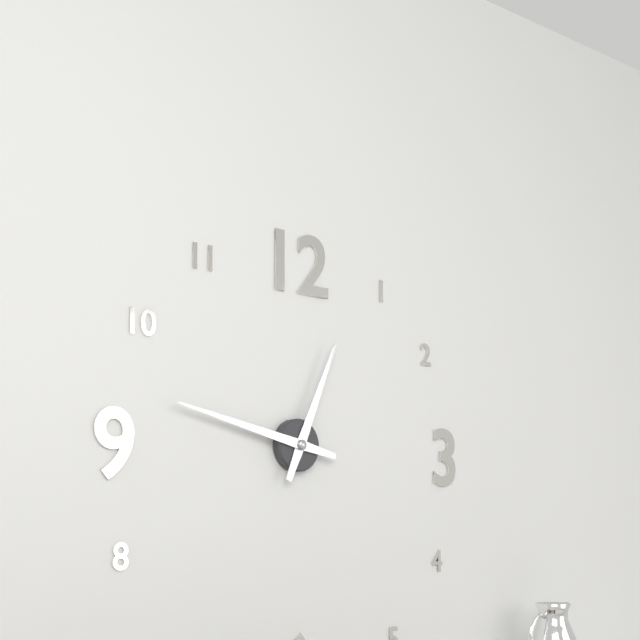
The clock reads 12,47
